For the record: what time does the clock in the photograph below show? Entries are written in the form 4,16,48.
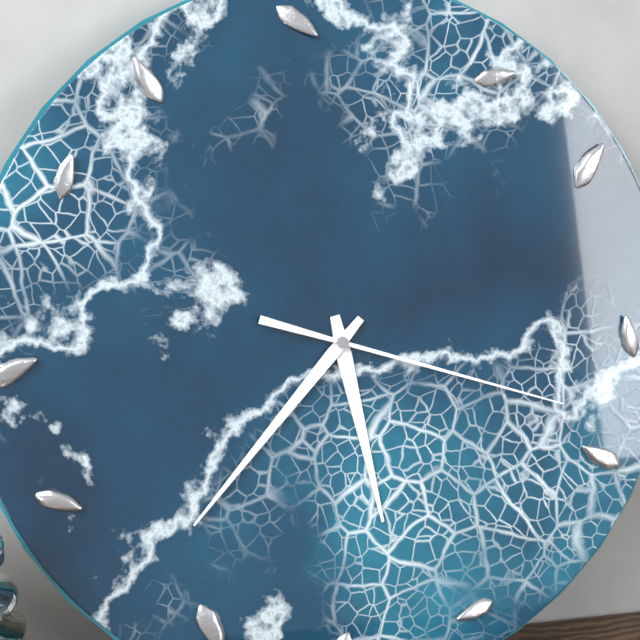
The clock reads 5,37,18
